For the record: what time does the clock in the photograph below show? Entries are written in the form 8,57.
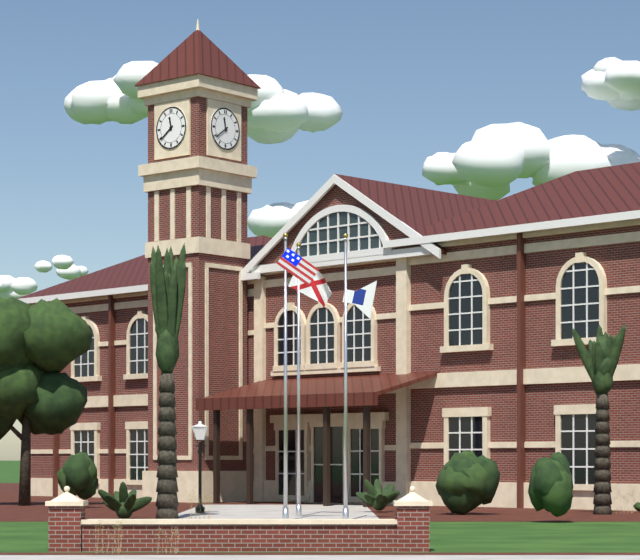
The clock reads 11,39
